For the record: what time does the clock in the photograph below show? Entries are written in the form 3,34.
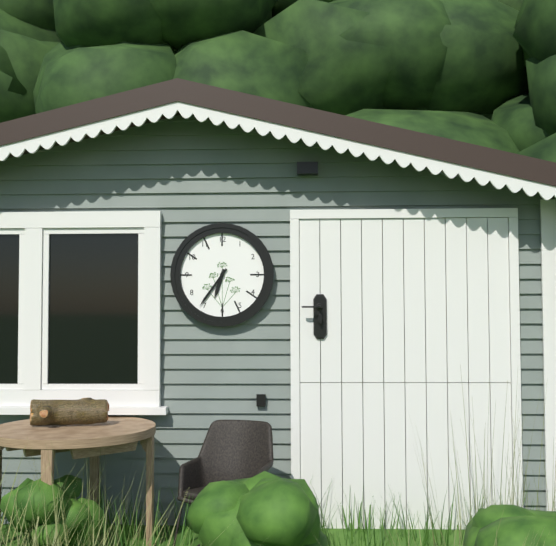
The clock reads 6,36
